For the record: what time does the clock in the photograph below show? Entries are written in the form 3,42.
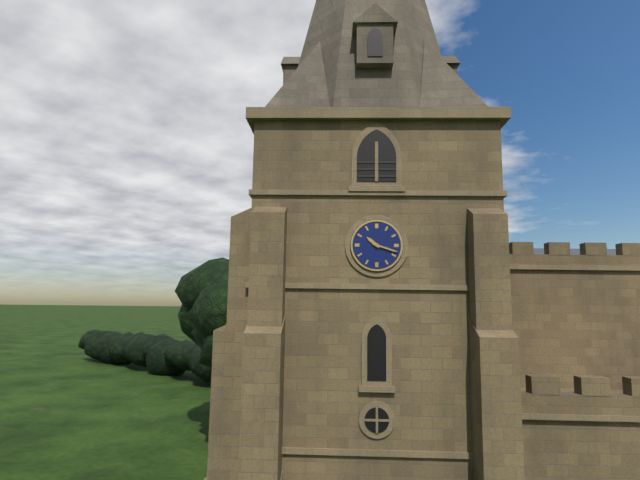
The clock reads 10,18
